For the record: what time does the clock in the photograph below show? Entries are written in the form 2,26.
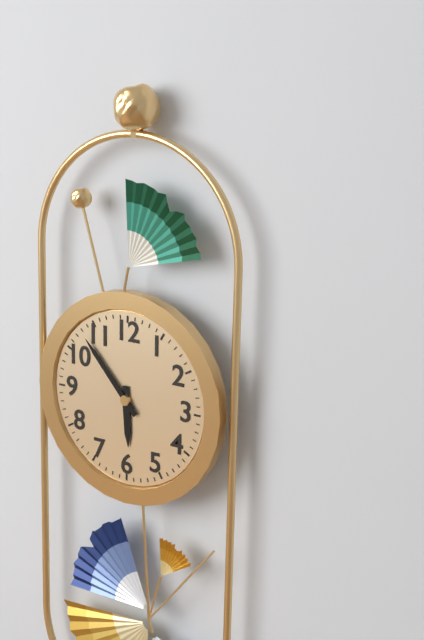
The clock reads 5,53
